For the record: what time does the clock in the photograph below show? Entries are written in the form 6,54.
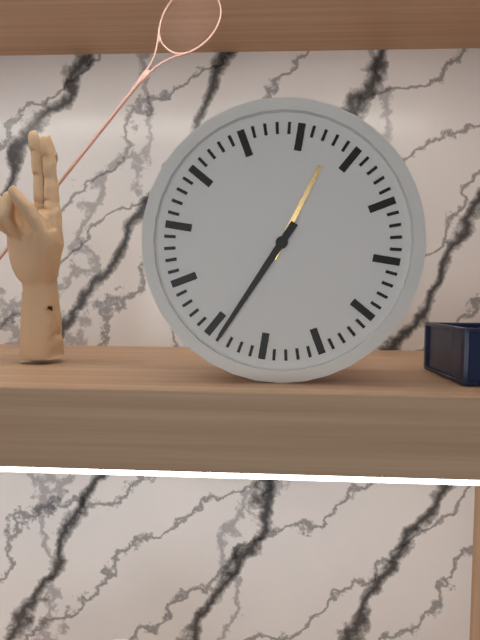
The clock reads 12,34
